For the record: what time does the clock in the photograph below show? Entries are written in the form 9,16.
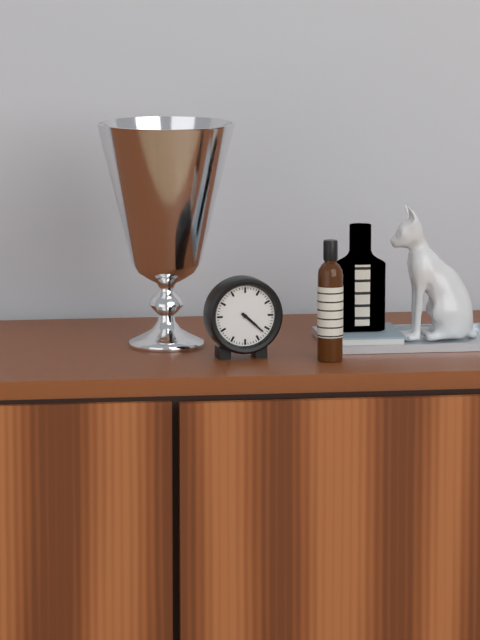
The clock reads 4,22
